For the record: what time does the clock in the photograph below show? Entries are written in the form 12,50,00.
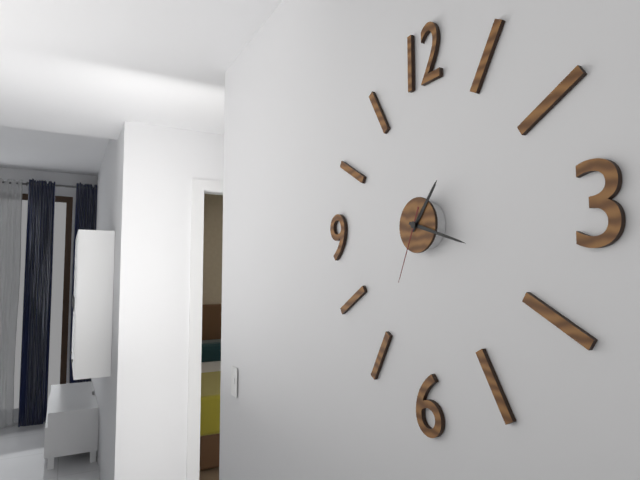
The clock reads 1,18,34
